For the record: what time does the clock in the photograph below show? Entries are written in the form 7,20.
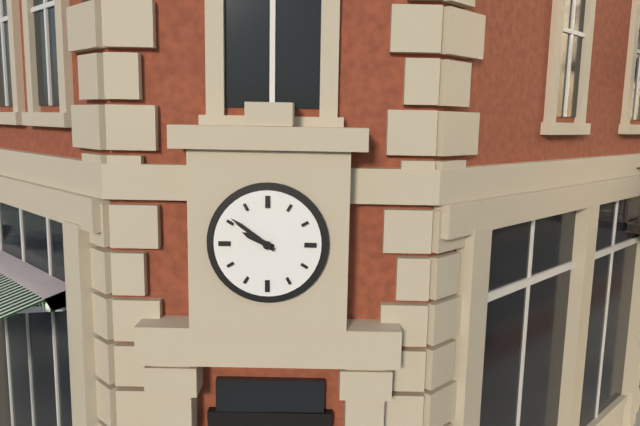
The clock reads 9,51
